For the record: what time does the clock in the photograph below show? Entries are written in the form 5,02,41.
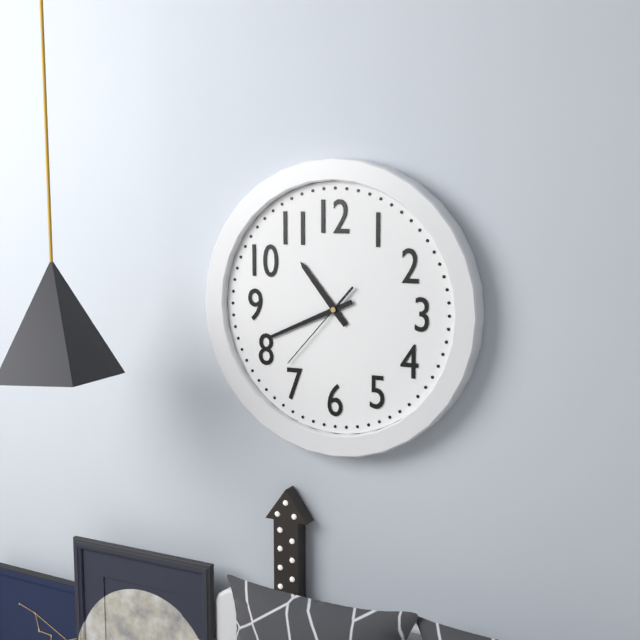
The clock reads 10,41,37
